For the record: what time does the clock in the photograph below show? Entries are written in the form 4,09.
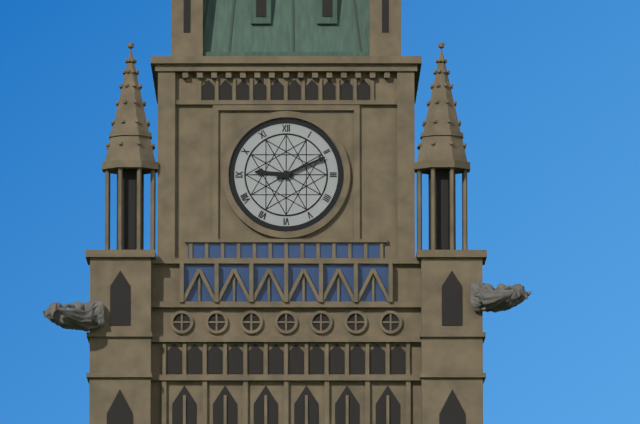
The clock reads 9,11
